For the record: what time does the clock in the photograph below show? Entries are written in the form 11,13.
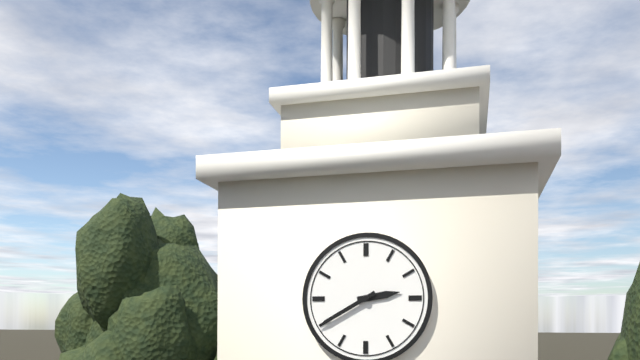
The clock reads 2,40
